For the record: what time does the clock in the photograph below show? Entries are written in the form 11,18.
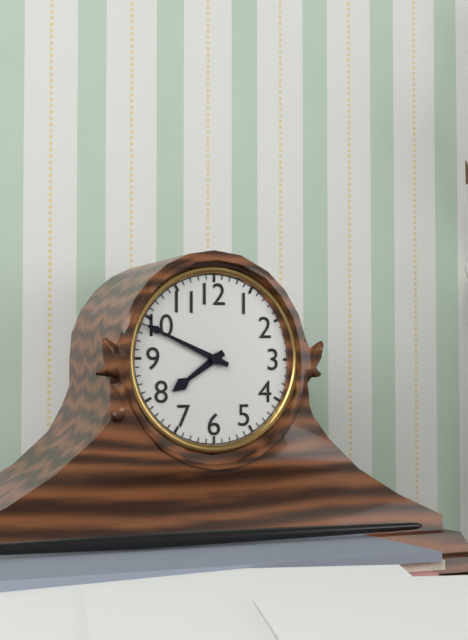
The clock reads 7,49
